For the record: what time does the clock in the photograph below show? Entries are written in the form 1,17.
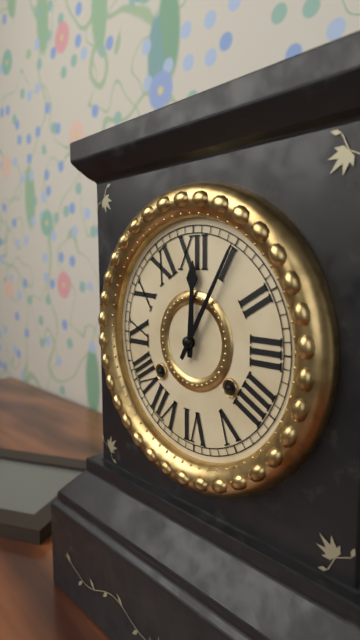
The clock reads 12,05
